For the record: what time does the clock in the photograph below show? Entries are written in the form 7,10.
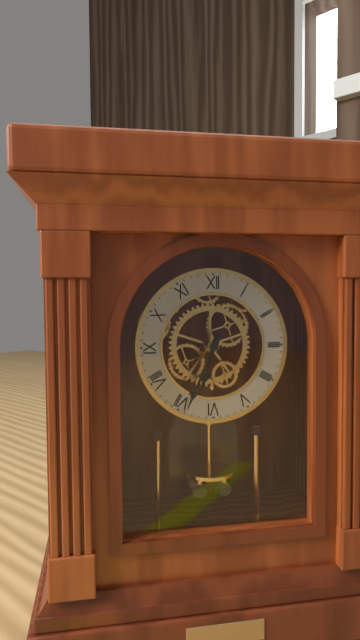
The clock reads 6,34
